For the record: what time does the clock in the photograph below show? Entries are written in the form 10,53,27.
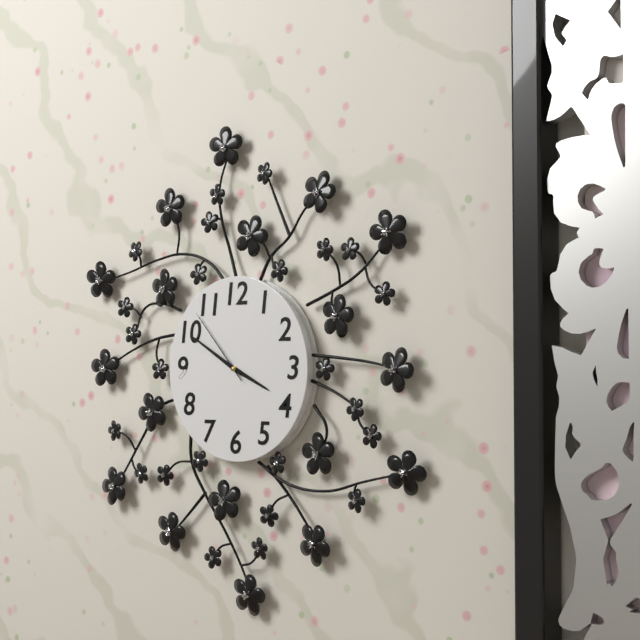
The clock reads 3,50,53
